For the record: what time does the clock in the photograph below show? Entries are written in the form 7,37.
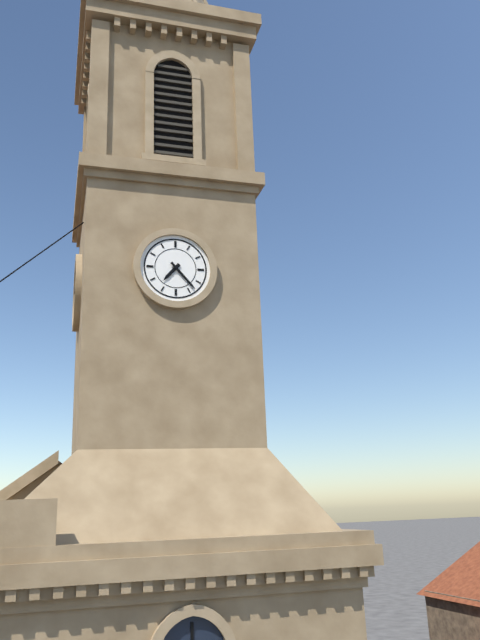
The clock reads 7,23
